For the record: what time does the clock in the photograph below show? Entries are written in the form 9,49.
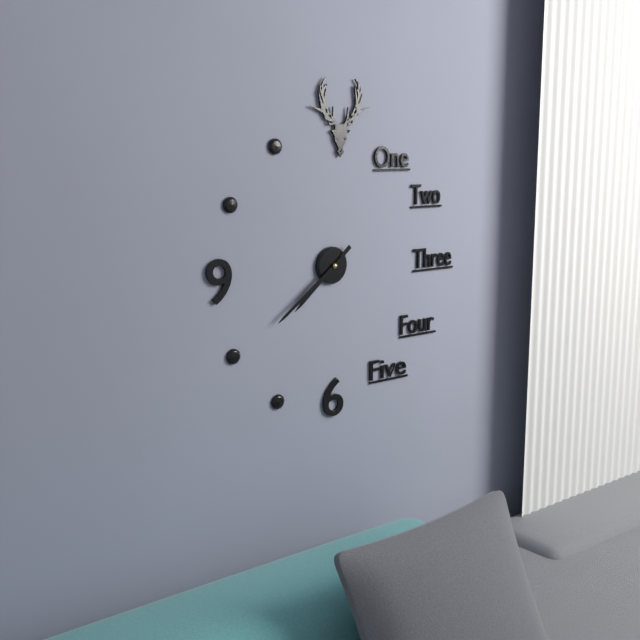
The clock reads 7,39
